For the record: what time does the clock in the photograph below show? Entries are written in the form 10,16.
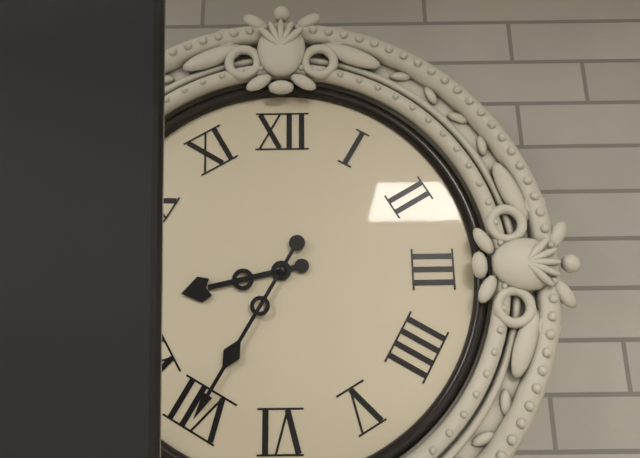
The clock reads 8,35
